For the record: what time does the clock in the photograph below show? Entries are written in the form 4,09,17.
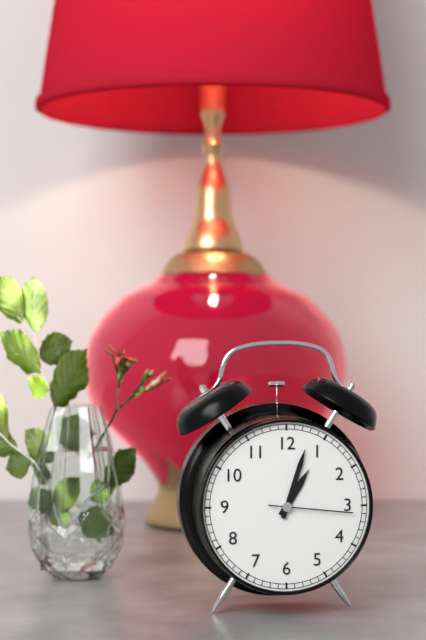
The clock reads 1,03,16
